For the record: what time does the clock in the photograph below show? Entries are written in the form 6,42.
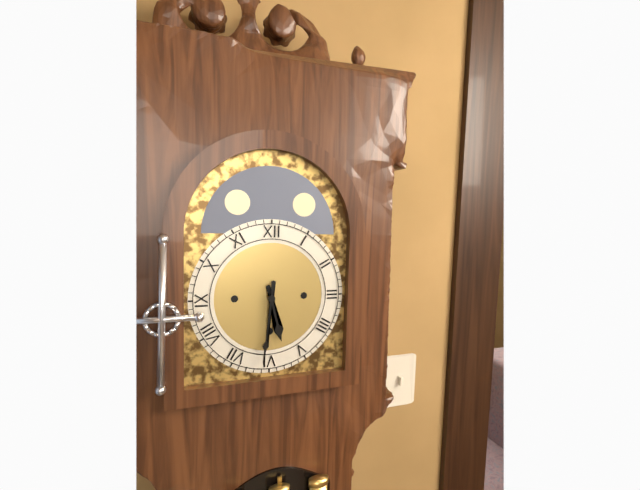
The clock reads 5,31
